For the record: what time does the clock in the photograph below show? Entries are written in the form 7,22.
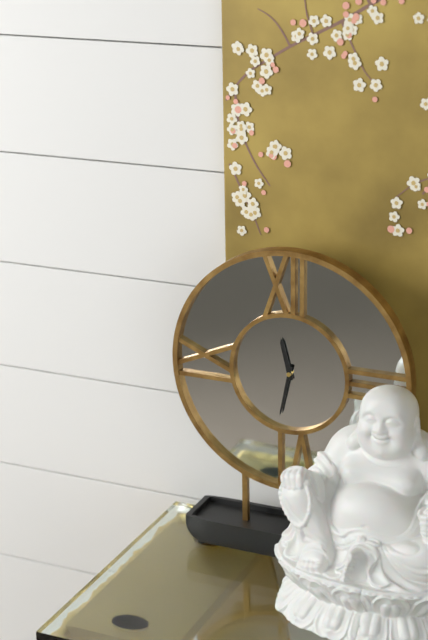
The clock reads 11,32
